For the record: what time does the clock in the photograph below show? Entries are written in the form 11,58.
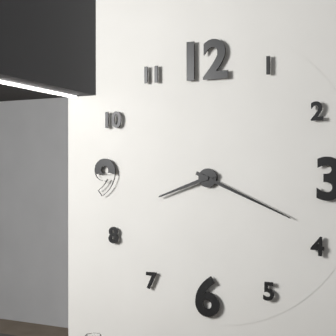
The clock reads 8,19
